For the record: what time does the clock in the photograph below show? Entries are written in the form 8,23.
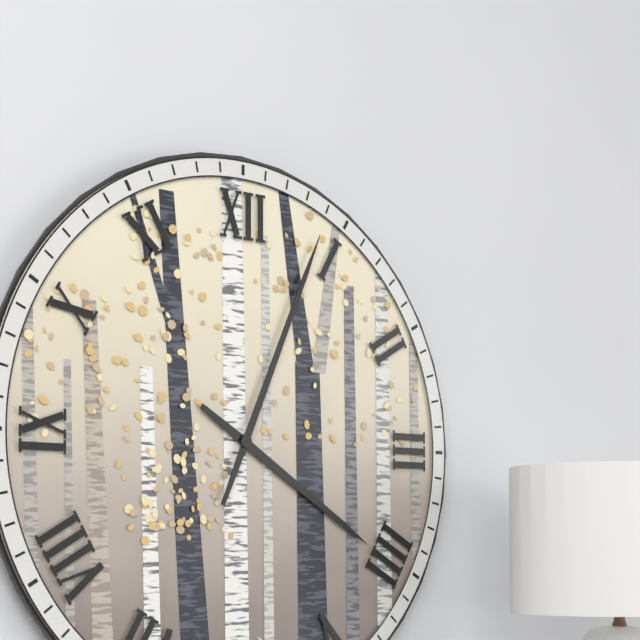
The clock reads 4,04
